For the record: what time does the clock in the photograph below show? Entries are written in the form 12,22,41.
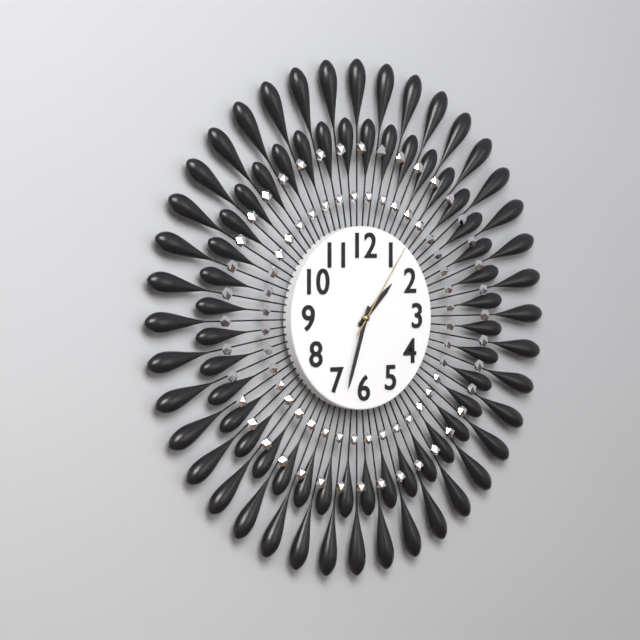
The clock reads 1,33,06
